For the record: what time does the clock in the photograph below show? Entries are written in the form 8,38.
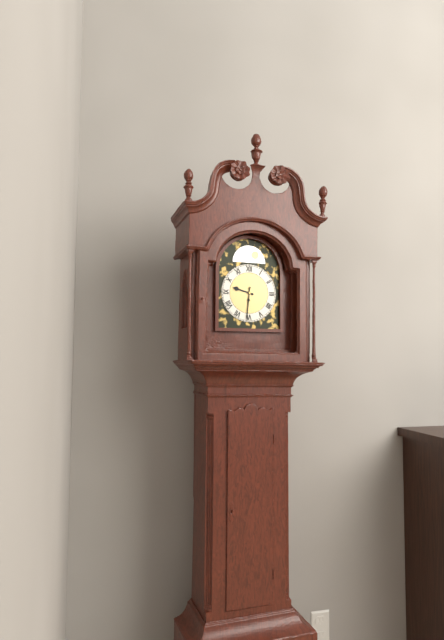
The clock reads 9,31
